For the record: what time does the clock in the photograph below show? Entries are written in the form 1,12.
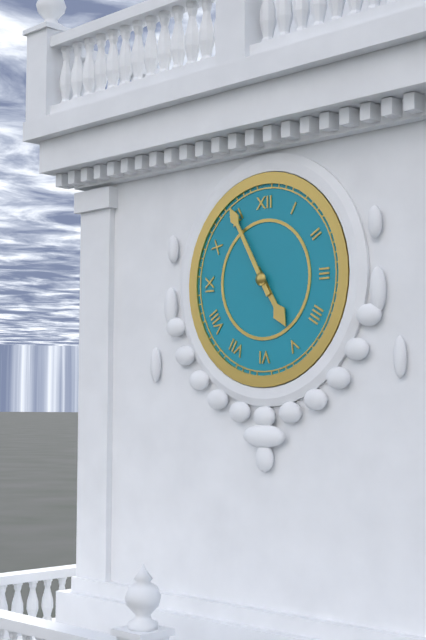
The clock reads 4,55
